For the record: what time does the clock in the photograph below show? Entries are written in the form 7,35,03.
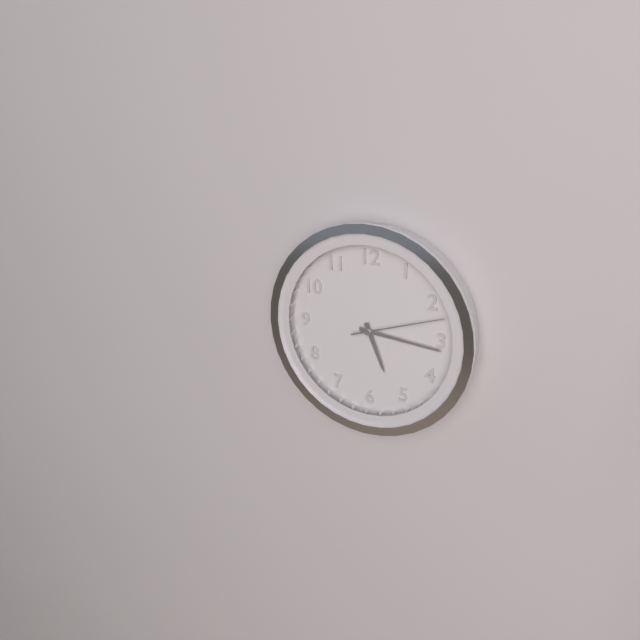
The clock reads 5,16,12
